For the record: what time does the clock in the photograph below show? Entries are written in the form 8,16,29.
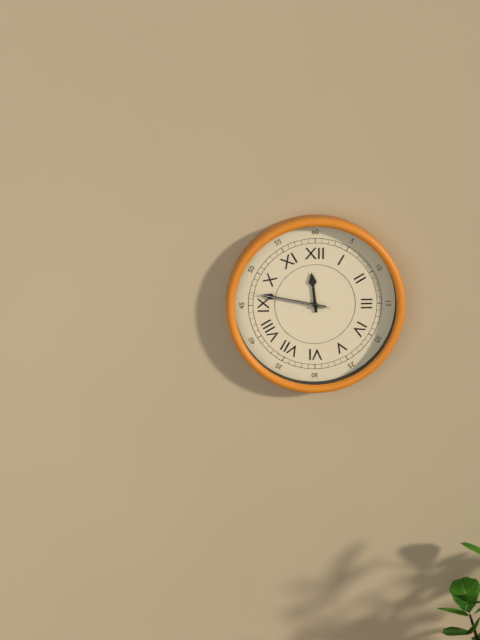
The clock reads 11,47,47
